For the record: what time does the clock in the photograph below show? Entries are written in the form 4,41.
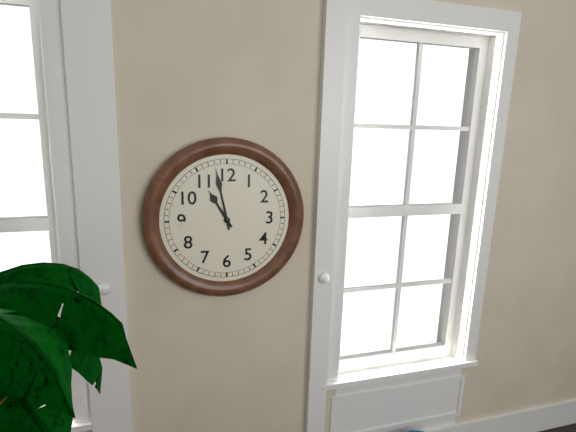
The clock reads 10,58
